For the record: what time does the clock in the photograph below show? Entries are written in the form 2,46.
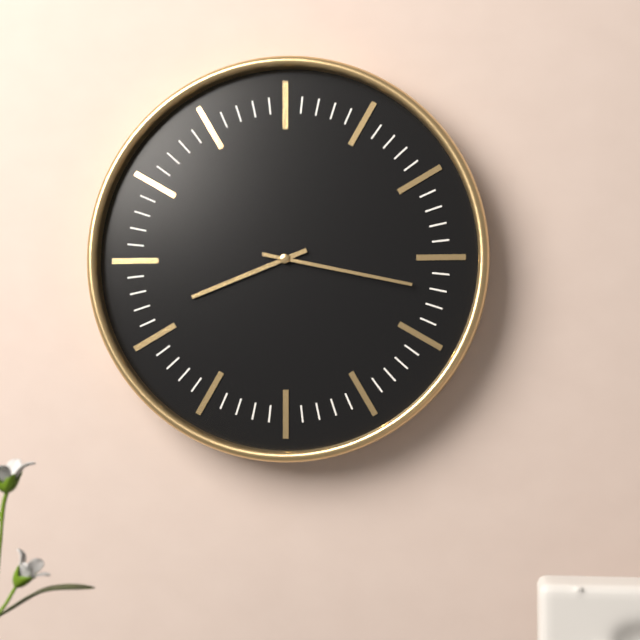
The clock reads 8,17
